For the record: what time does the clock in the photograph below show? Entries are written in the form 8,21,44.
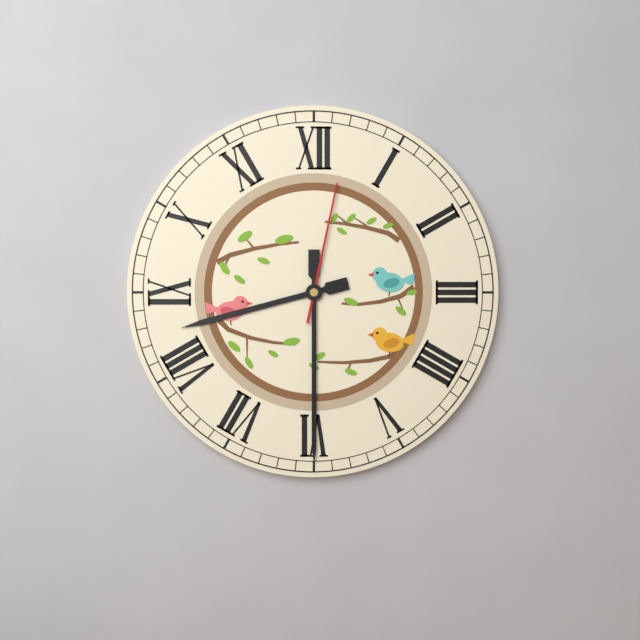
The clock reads 8,30,02
